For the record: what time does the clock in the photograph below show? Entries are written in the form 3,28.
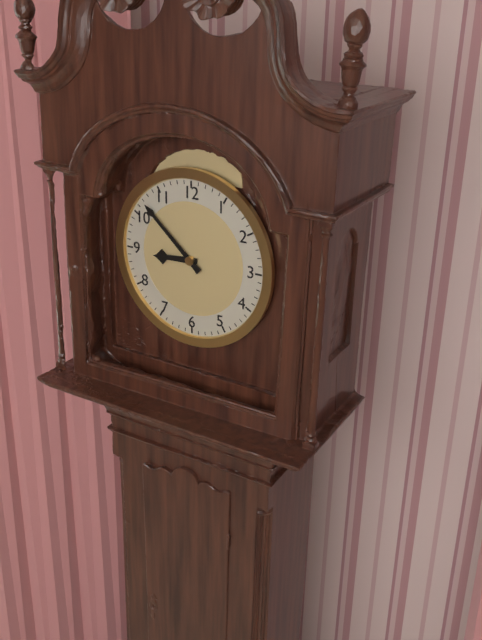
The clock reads 8,52
